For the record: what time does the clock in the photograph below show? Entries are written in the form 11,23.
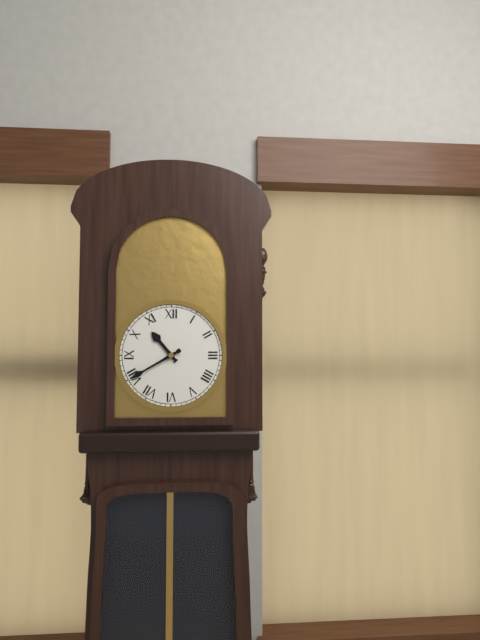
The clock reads 10,40
